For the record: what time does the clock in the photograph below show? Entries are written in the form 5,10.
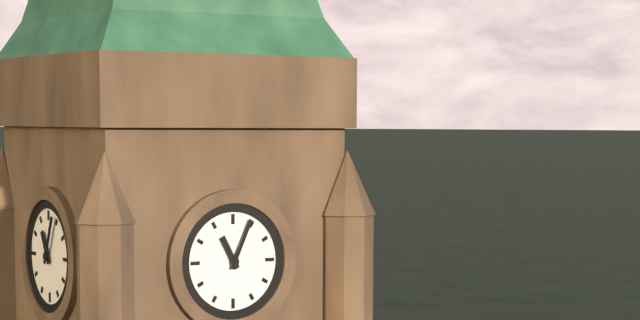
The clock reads 11,04
